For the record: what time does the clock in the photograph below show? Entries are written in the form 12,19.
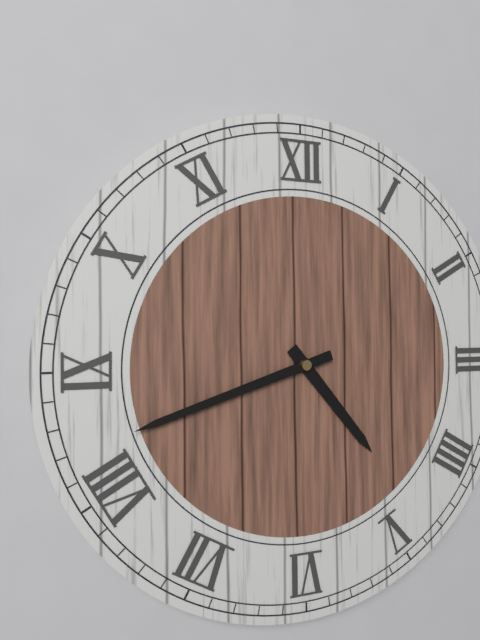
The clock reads 4,42
